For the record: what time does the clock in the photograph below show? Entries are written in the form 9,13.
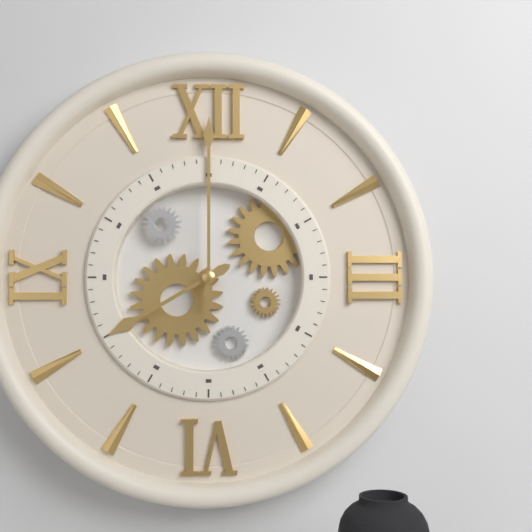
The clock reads 8,00
